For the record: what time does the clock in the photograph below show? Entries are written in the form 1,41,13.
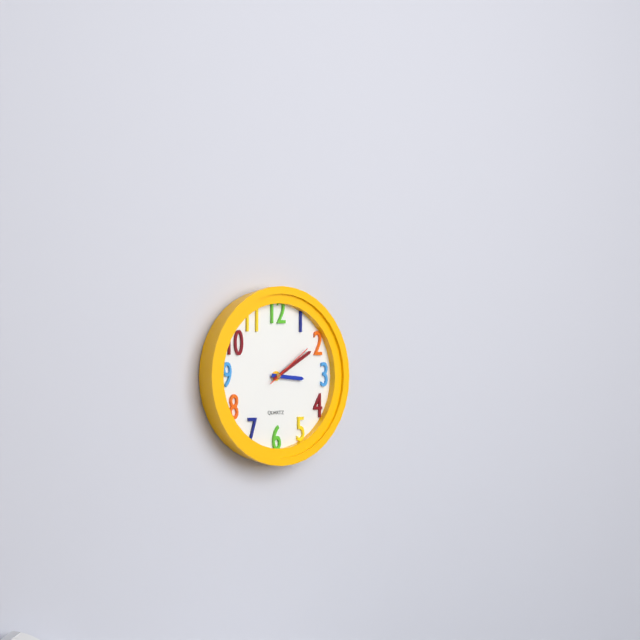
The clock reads 3,10,09
